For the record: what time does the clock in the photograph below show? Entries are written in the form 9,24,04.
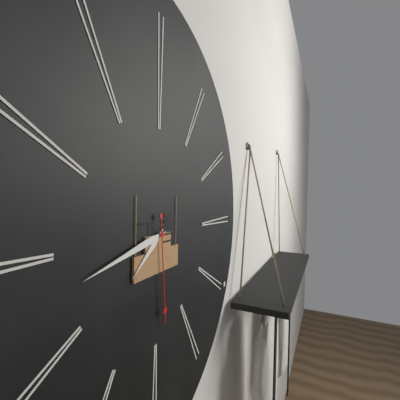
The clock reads 7,43,29
